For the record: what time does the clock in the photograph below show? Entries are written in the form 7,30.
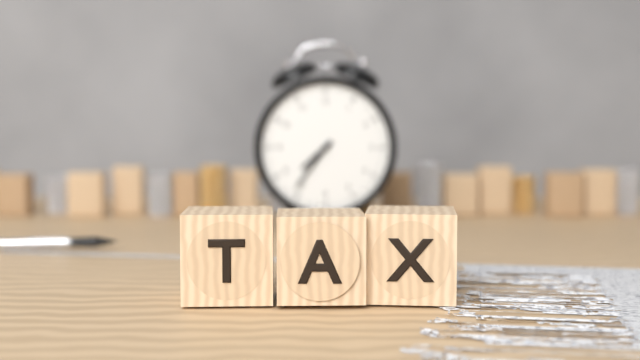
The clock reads 7,36
